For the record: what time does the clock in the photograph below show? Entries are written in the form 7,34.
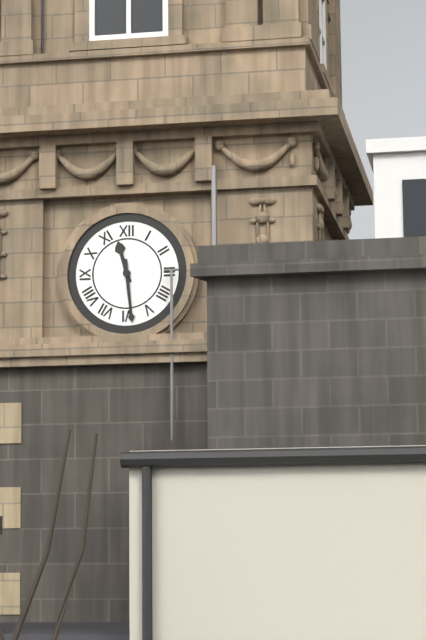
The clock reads 11,29
